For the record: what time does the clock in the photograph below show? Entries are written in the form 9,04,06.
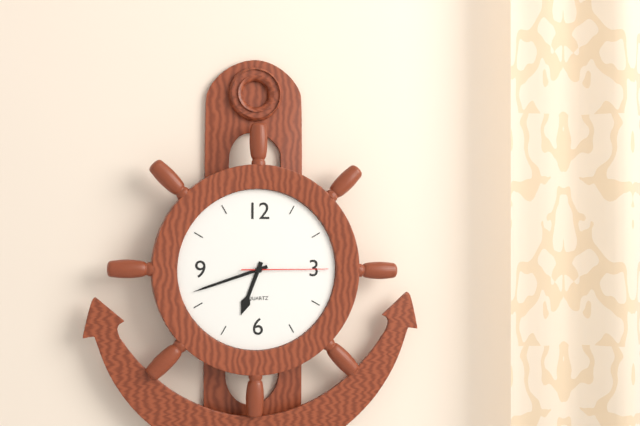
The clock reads 6,42,15
